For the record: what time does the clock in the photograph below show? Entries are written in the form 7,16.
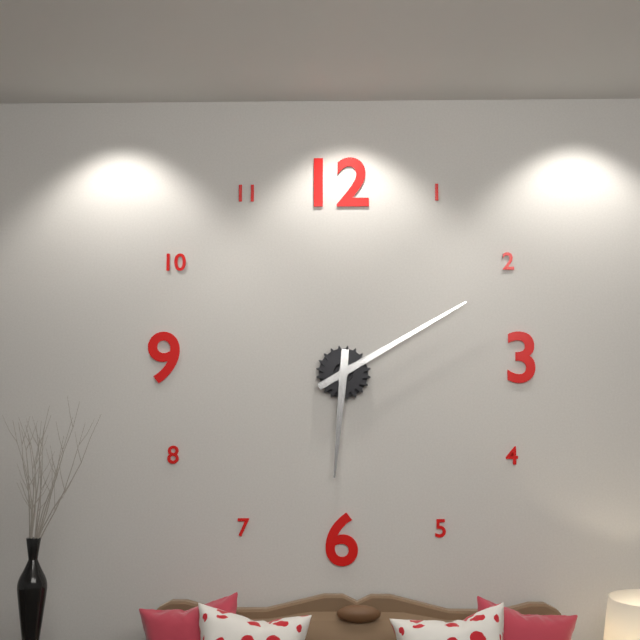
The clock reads 6,10
